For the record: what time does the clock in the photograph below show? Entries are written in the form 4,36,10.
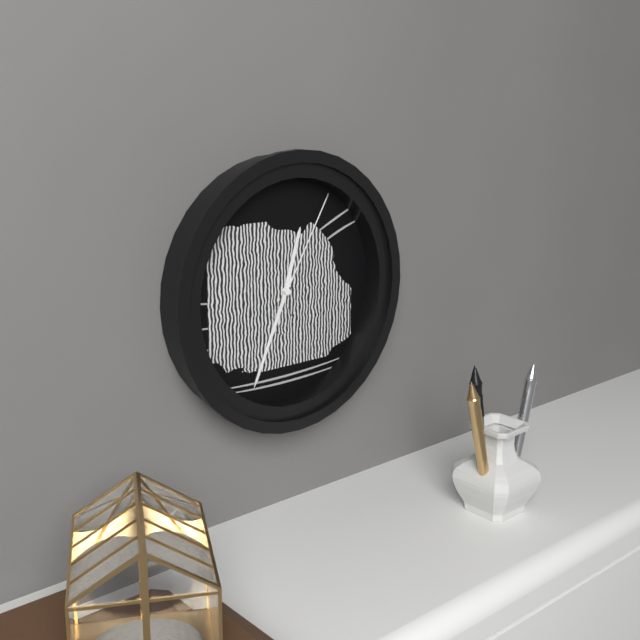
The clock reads 12,34,05
